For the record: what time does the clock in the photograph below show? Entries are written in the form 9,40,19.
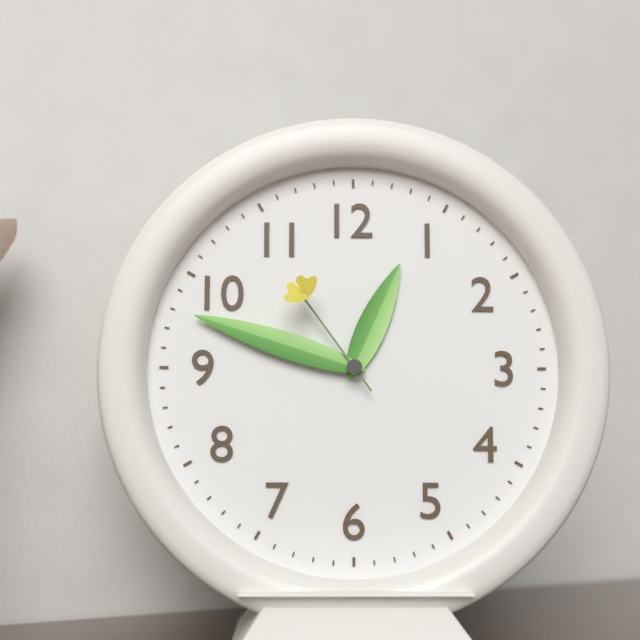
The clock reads 12,48,54
